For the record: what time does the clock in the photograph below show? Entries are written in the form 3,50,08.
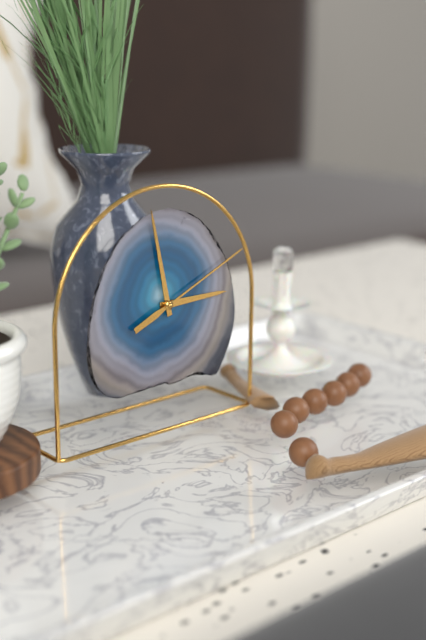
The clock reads 2,58,11
